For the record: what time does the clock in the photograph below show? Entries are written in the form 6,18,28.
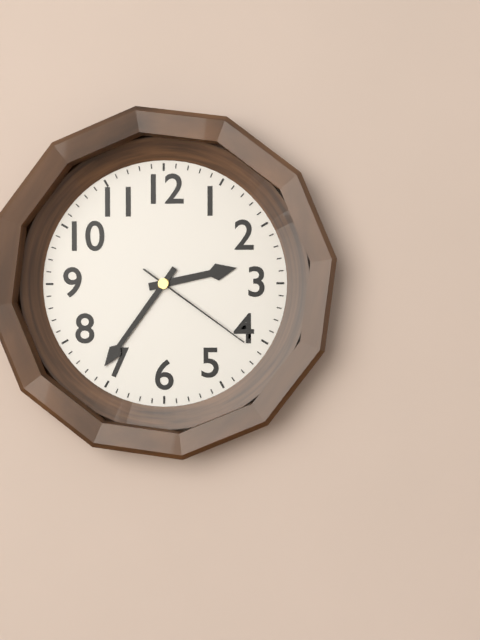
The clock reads 2,36,21
